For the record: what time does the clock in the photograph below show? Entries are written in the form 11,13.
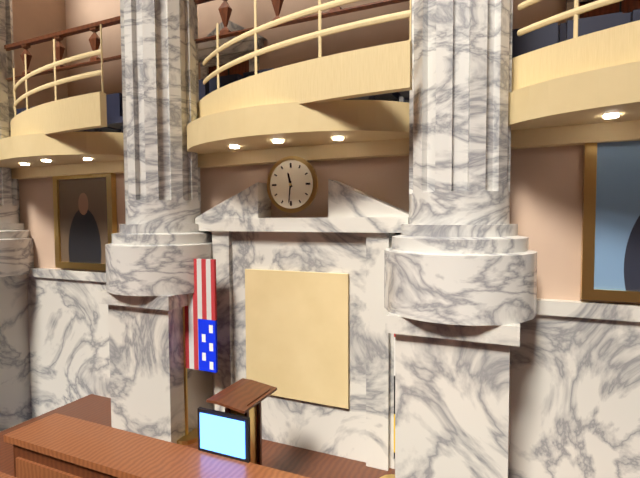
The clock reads 11,31
